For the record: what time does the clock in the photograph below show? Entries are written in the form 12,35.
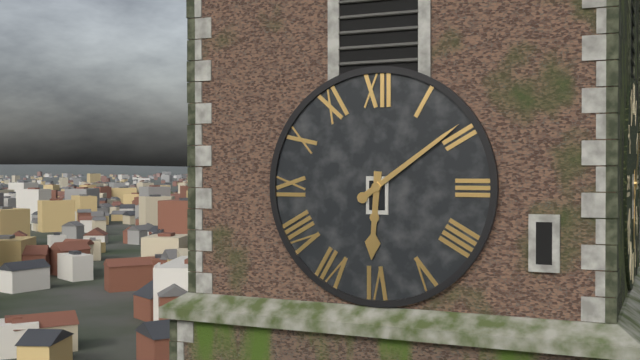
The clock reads 6,09
